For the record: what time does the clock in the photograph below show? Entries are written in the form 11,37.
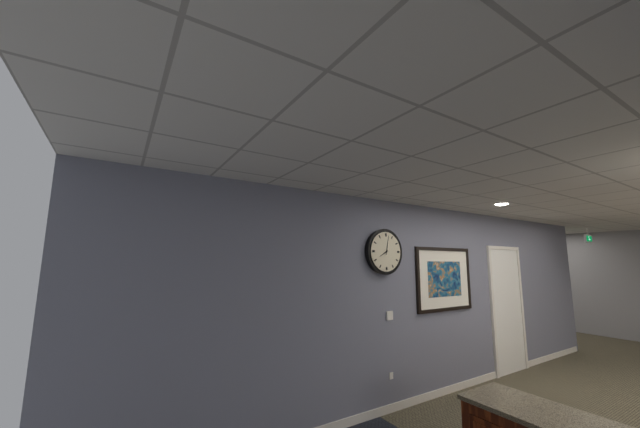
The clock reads 8,02
